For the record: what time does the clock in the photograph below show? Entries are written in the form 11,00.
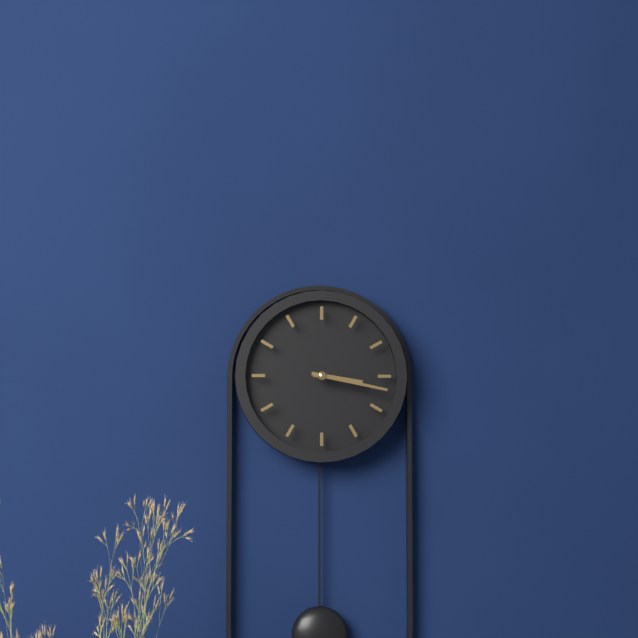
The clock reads 3,17
